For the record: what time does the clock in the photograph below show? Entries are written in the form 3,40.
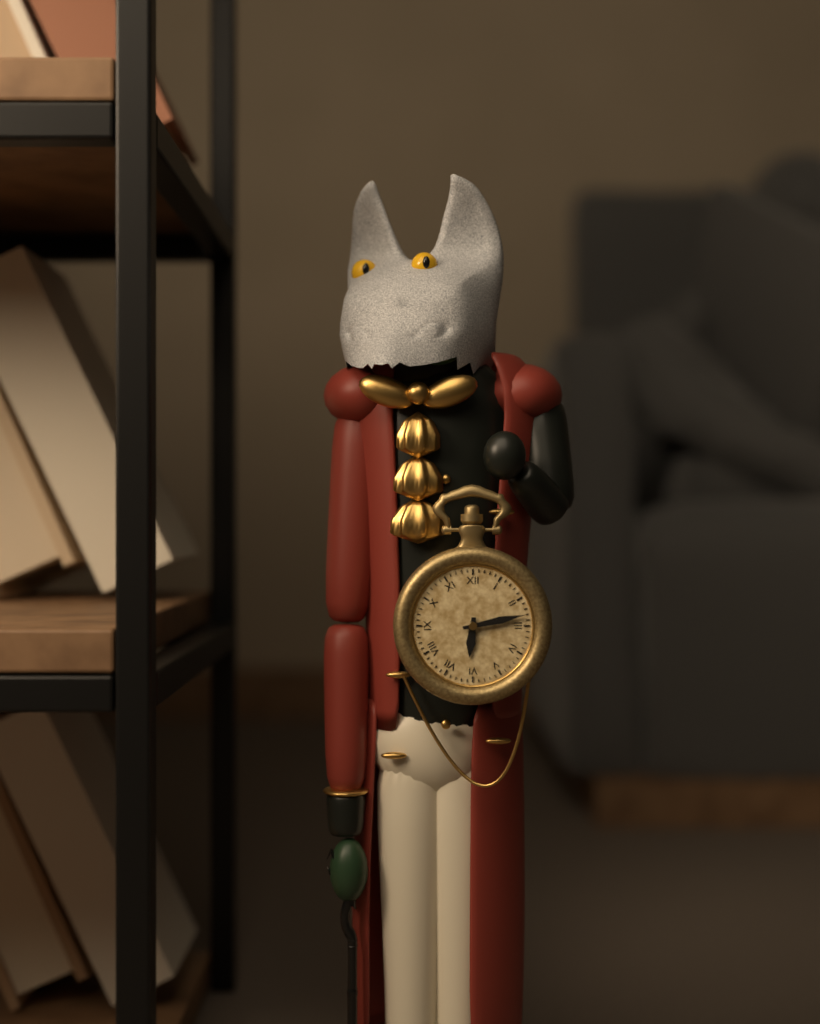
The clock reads 6,13
